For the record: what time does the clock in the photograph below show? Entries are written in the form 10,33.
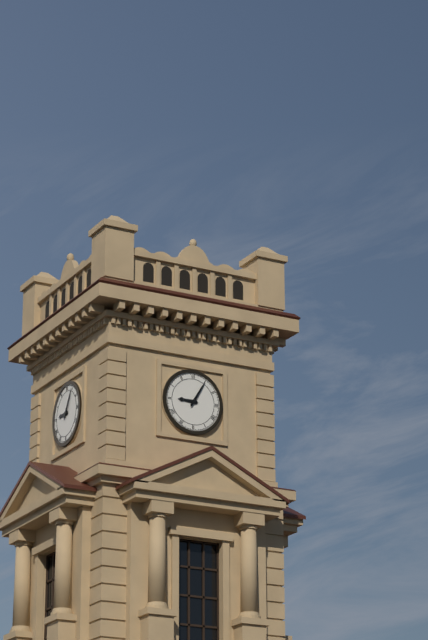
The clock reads 9,05
